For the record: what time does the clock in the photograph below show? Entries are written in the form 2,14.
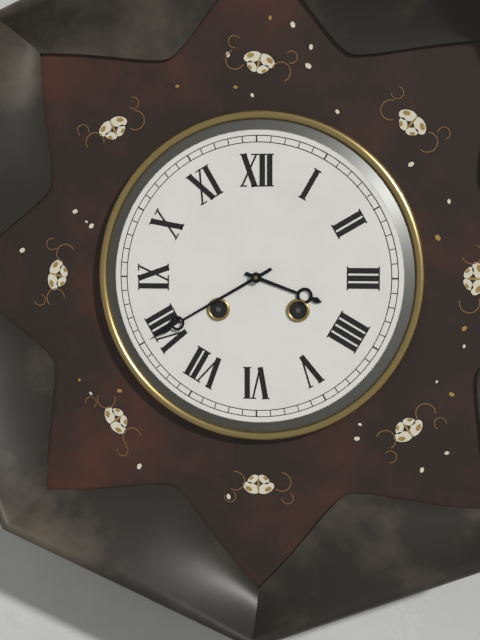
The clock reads 3,40
